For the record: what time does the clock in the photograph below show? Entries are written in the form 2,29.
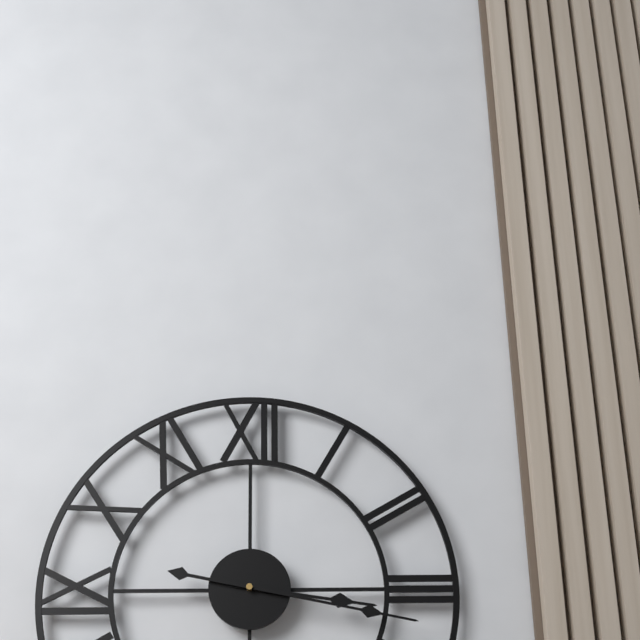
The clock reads 3,17
